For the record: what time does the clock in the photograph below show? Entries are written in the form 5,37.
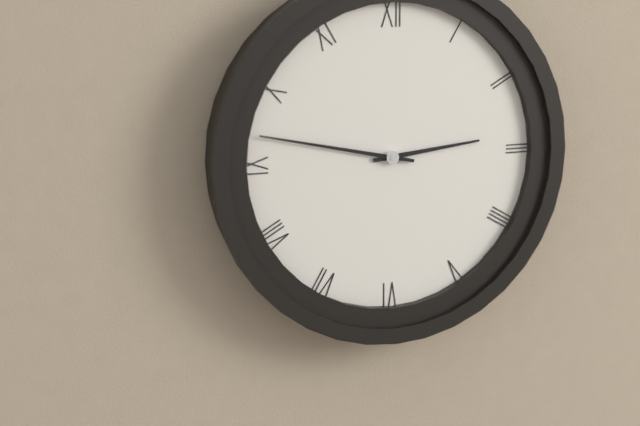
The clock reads 2,47
